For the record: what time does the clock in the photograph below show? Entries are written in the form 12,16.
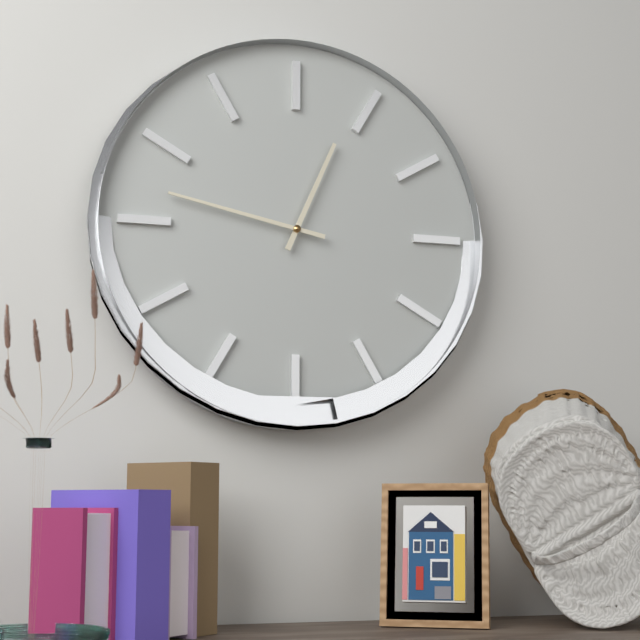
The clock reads 12,47
